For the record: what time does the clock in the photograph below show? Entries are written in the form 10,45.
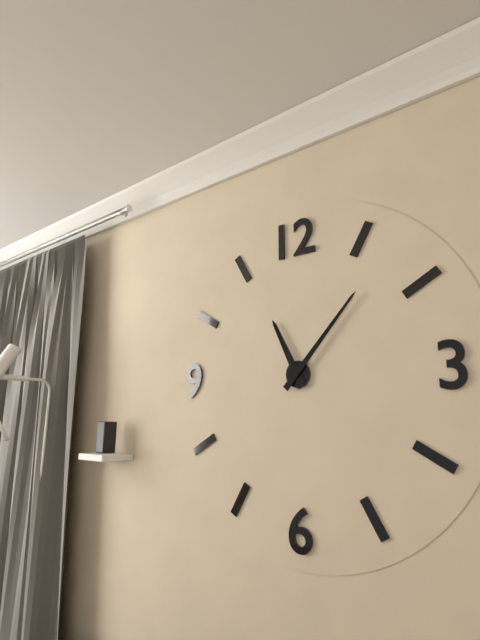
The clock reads 11,07
